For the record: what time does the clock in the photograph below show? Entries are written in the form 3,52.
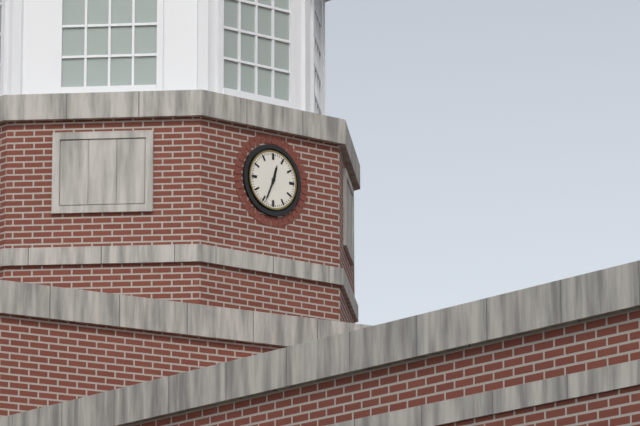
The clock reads 12,34
